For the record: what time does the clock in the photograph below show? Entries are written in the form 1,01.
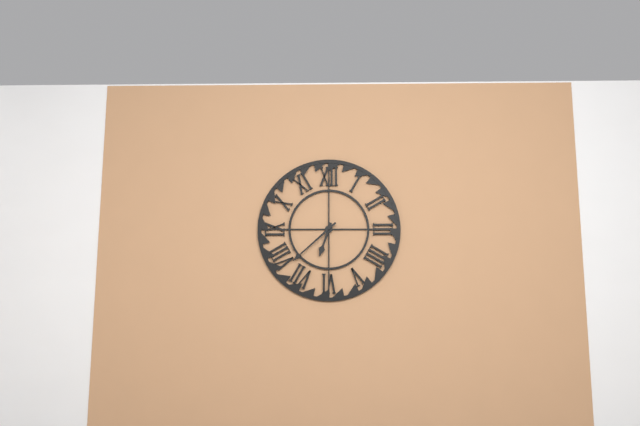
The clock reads 6,38
